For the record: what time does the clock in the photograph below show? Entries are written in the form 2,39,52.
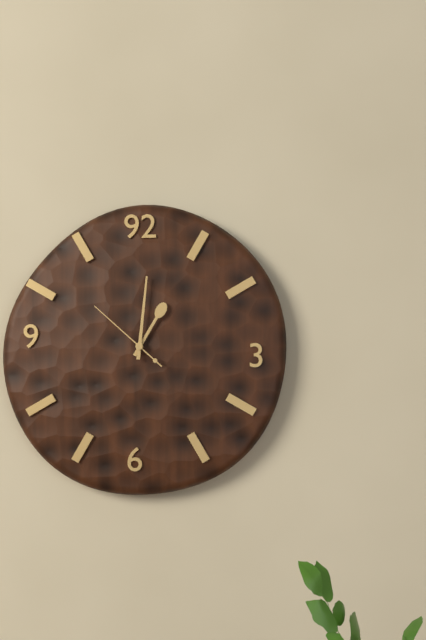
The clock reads 1,01,52
